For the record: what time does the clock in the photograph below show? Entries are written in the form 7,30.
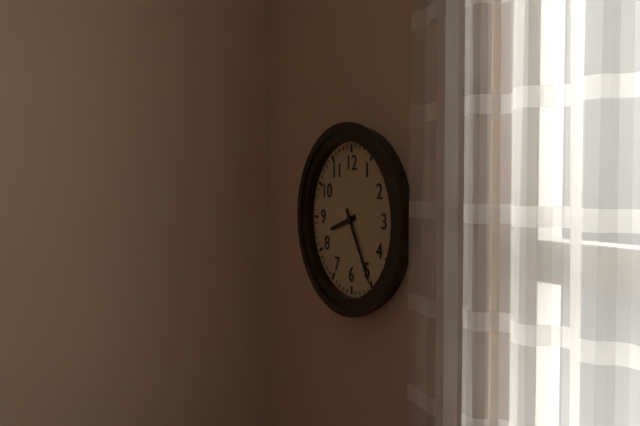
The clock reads 8,25
